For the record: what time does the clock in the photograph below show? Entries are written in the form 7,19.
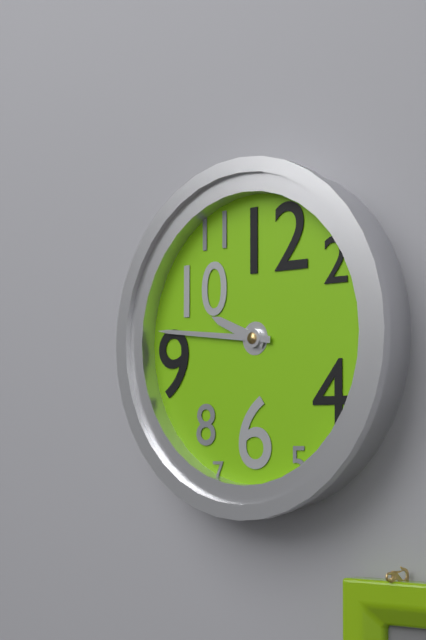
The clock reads 9,46
